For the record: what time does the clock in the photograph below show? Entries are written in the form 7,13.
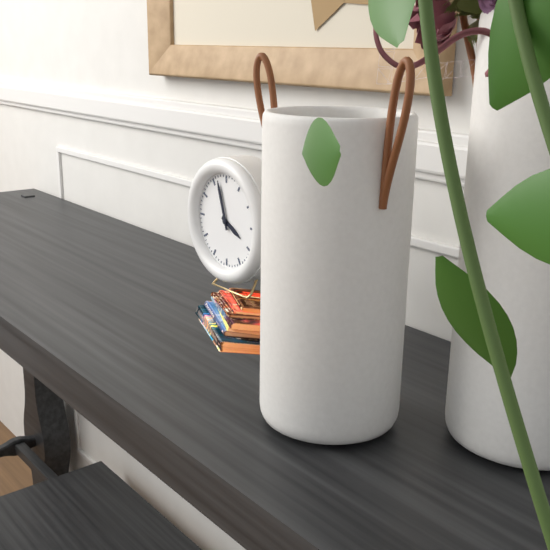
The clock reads 3,57
